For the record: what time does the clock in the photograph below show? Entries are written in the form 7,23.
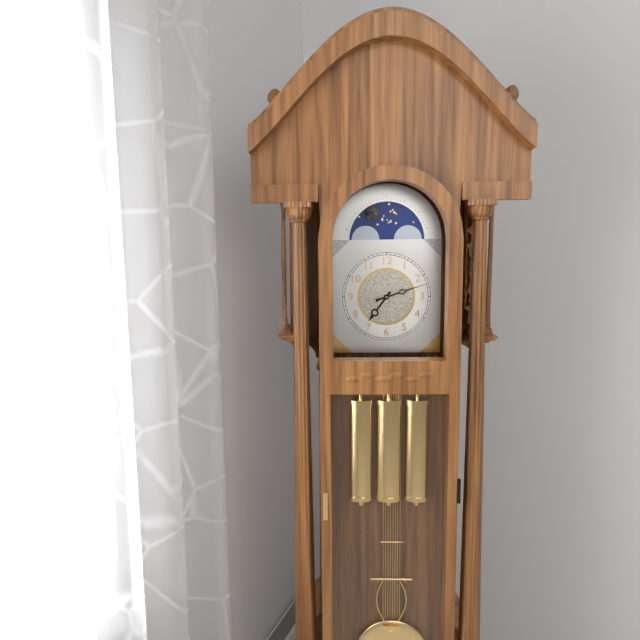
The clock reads 7,12
